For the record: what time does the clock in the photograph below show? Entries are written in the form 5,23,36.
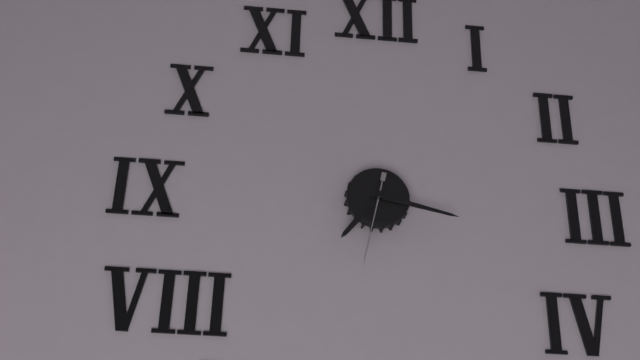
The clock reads 7,17,32
